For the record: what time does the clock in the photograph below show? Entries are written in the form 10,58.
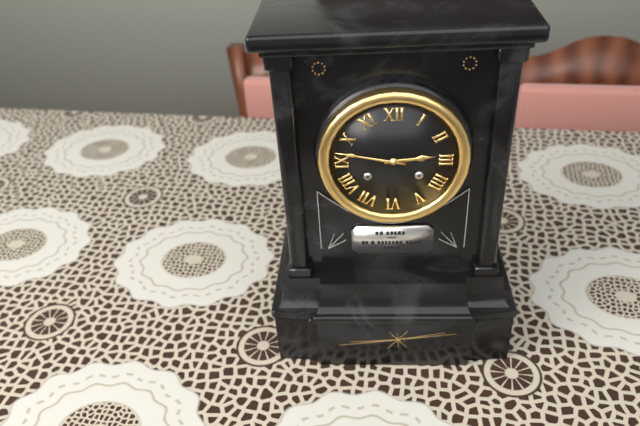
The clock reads 2,47
